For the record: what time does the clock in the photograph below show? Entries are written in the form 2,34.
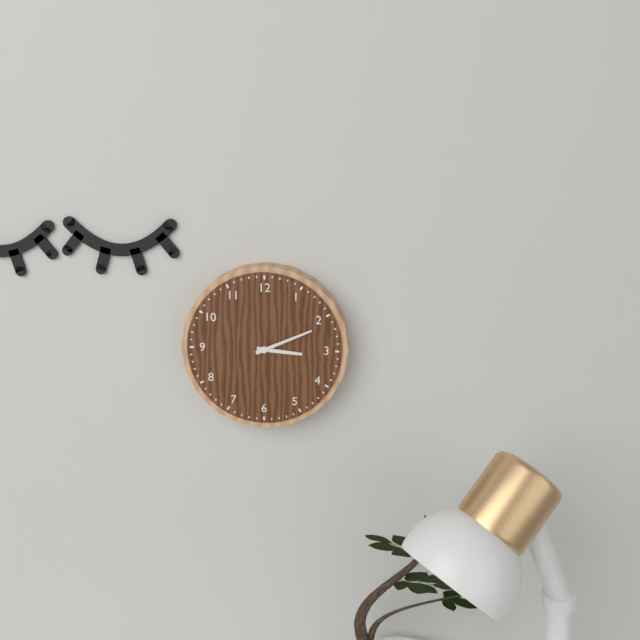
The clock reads 3,11
